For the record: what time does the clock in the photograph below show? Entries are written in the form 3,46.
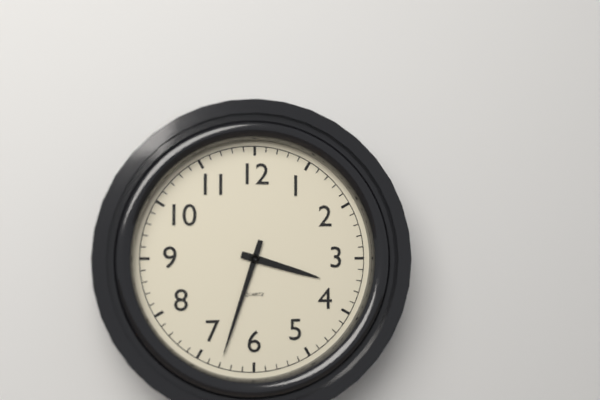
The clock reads 3,33
